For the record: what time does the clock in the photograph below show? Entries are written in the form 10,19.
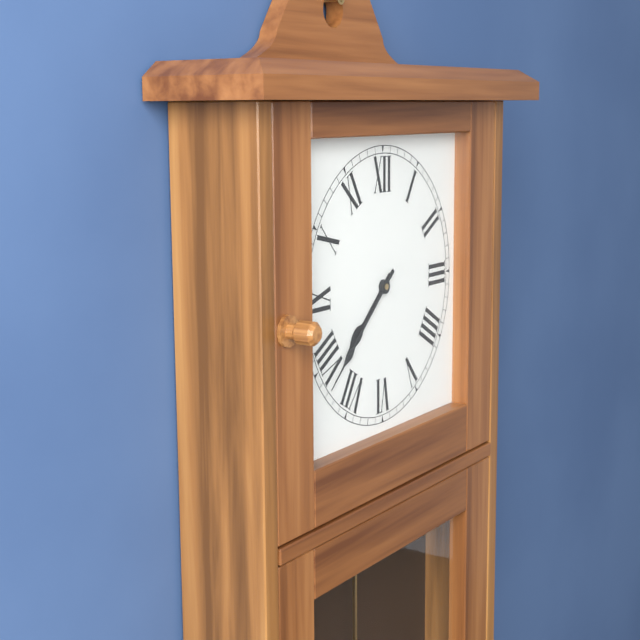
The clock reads 7,38
